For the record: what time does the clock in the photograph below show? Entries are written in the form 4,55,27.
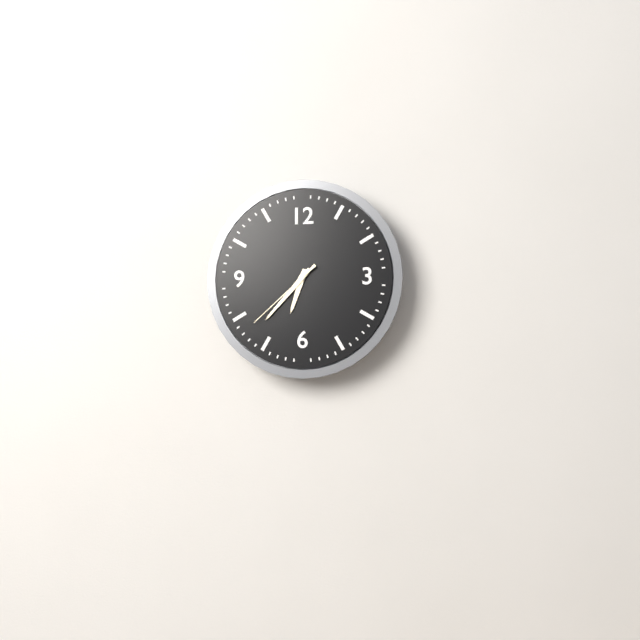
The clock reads 6,37,38
